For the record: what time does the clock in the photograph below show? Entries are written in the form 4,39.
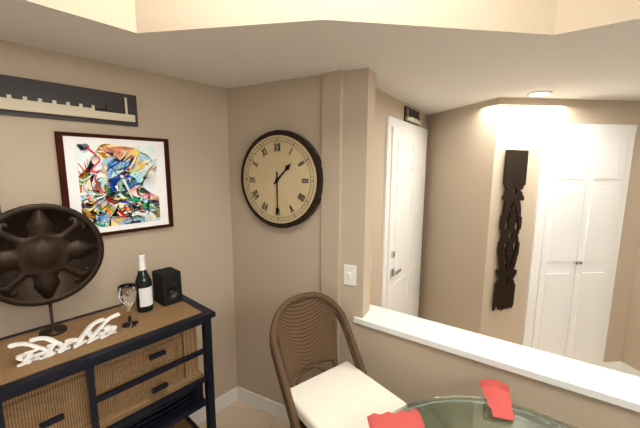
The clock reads 1,30
